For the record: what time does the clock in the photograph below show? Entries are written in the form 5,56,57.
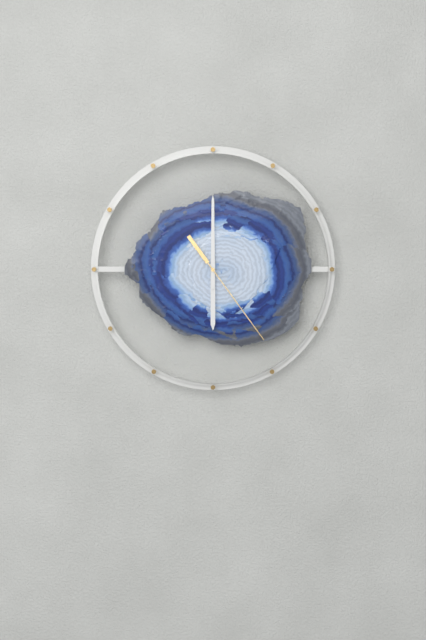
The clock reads 6,00,24
